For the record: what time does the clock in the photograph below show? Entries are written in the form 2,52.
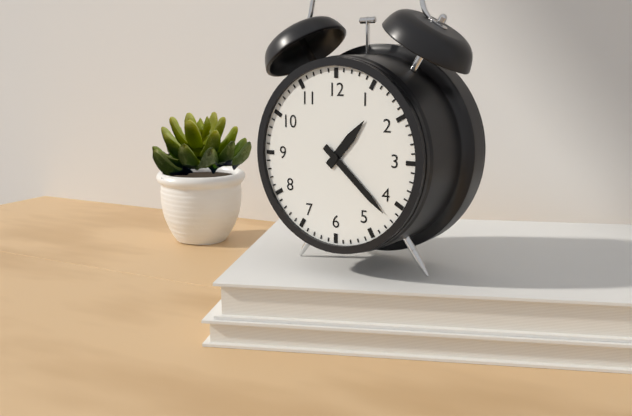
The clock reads 1,22
